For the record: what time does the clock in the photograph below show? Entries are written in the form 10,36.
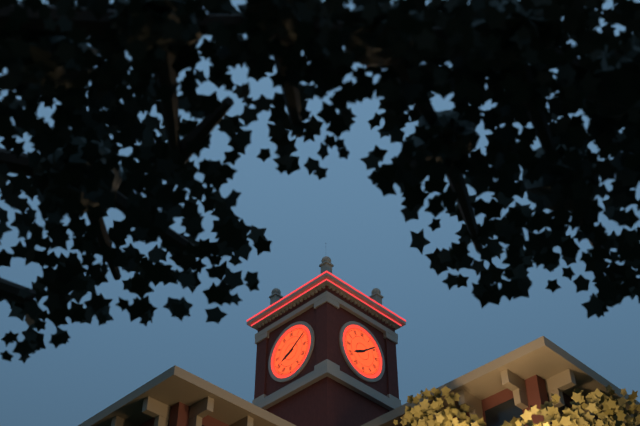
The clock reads 8,09
